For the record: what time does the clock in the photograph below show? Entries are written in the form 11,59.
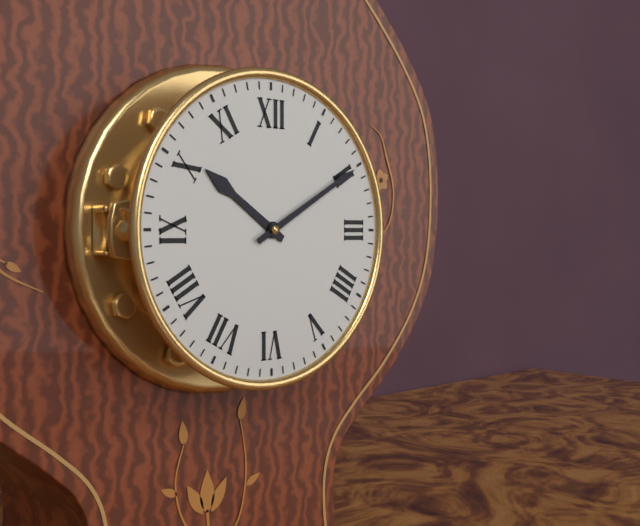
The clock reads 10,10
